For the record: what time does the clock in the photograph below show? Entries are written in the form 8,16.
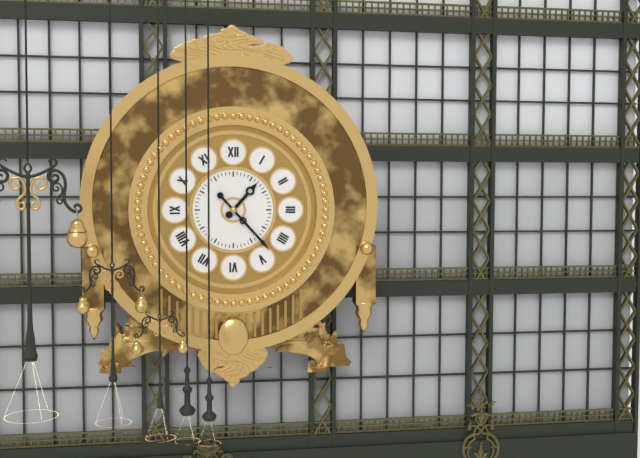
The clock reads 1,23
